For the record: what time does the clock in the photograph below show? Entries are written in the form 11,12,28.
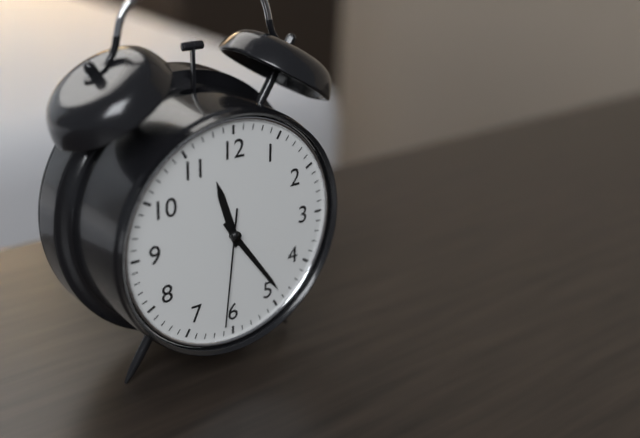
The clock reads 11,24,31
